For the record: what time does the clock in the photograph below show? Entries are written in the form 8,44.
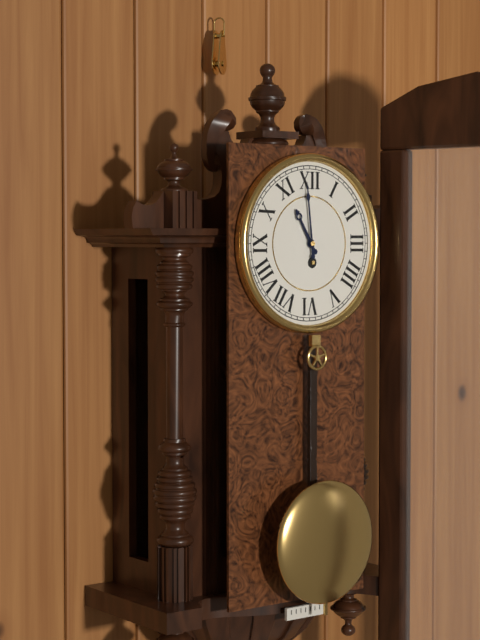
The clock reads 10,59
